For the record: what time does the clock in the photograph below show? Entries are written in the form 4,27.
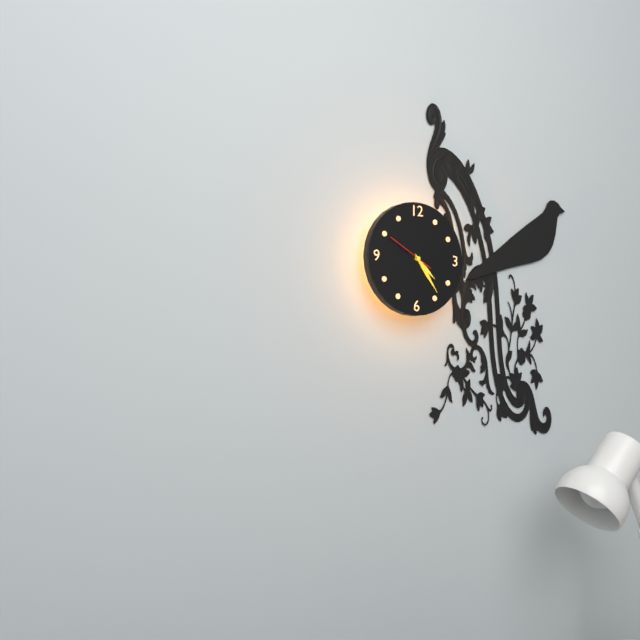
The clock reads 4,24
